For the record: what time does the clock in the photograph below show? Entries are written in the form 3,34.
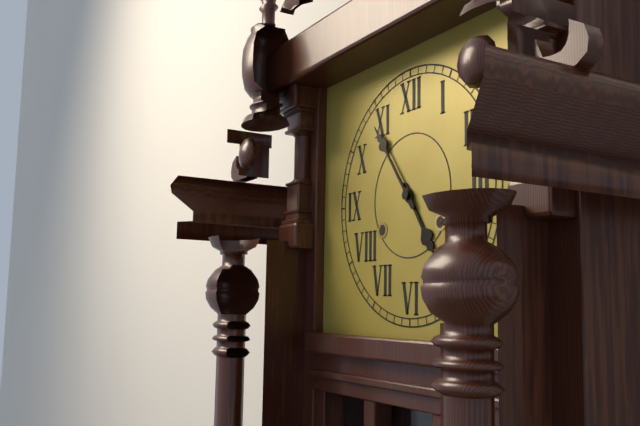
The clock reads 4,54
